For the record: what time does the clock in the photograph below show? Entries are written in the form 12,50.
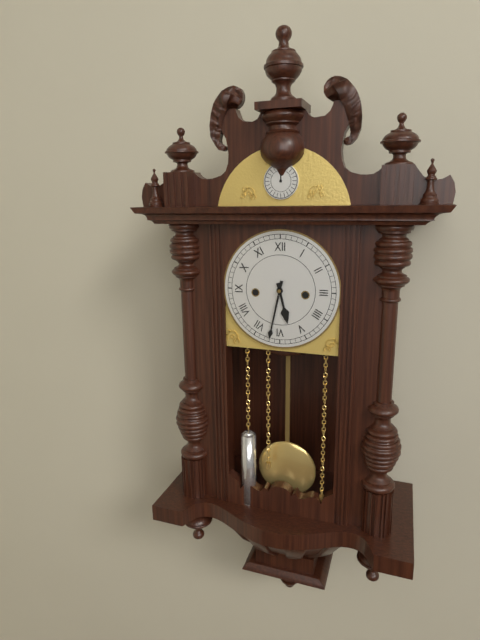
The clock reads 5,32
